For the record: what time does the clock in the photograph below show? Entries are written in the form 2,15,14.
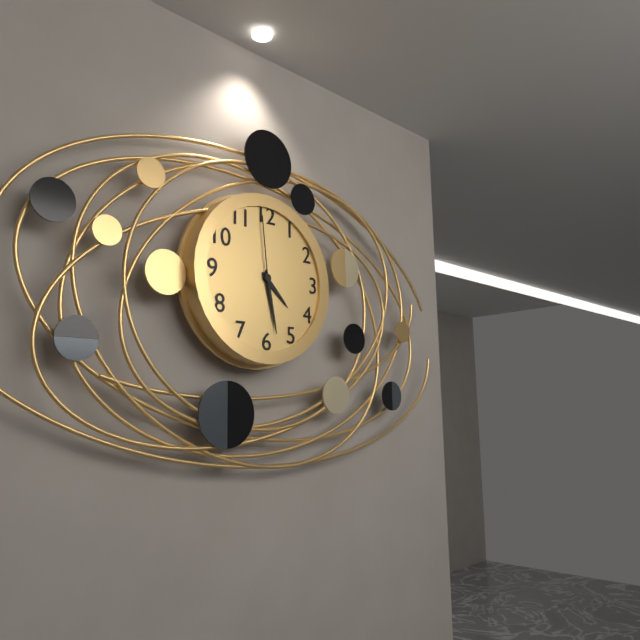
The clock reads 4,28,59
